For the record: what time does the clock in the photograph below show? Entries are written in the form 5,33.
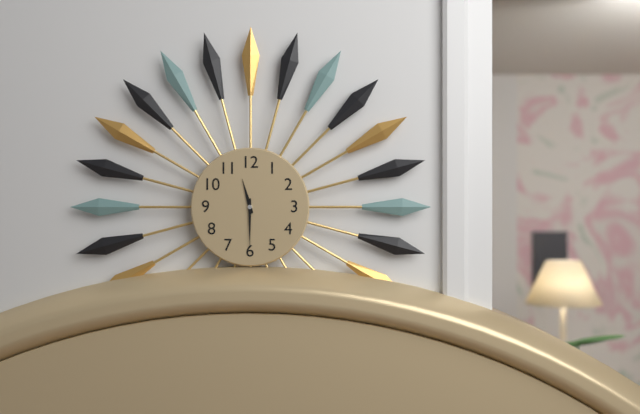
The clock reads 11,30
